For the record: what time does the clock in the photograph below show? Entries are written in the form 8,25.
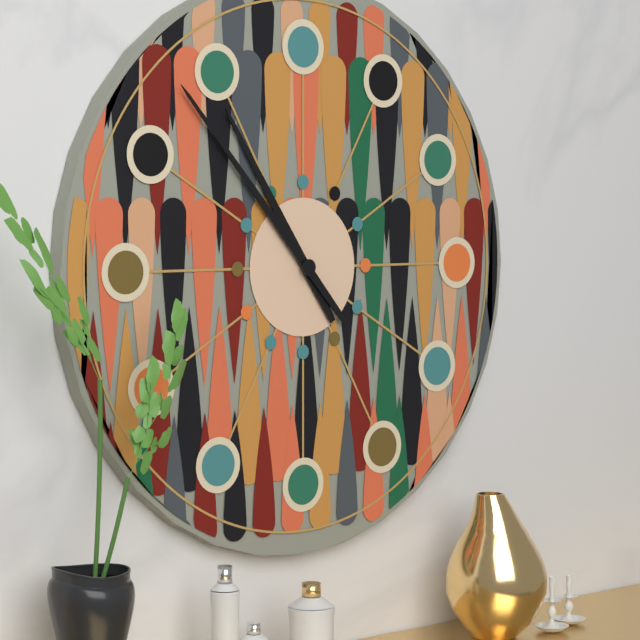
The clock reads 10,53
